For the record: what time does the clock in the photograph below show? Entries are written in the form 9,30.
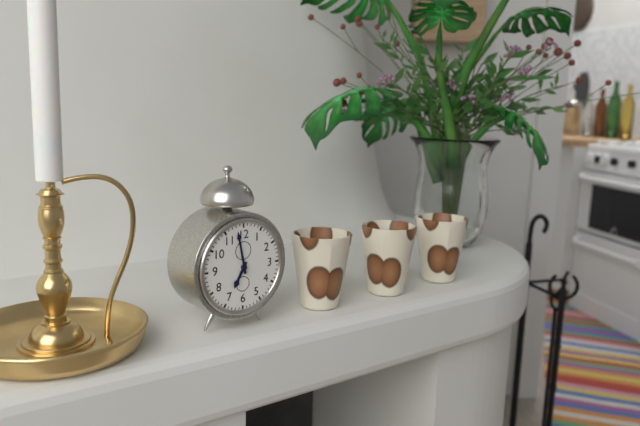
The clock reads 6,58
